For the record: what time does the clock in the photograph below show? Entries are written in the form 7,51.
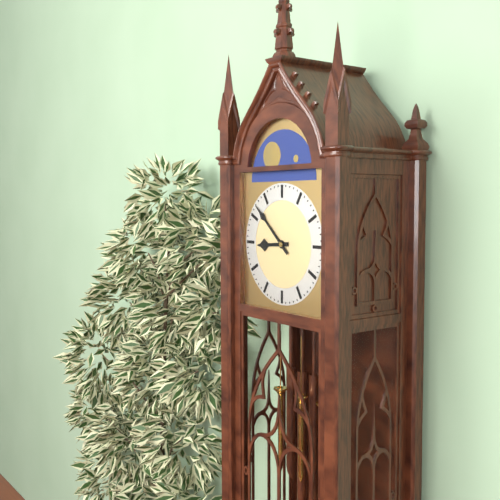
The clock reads 8,52
